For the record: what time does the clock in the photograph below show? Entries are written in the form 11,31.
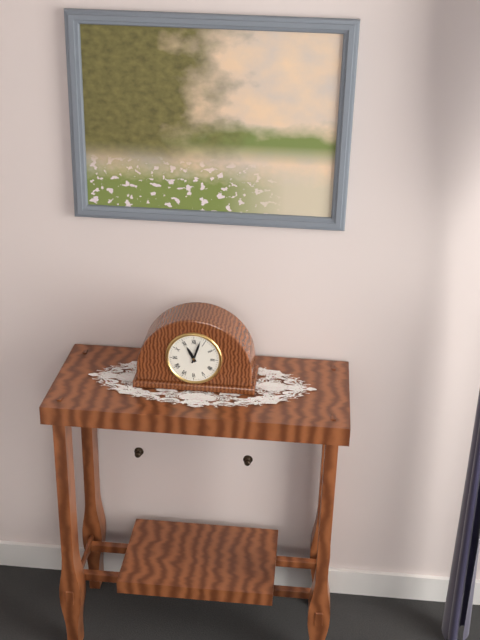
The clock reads 11,03
